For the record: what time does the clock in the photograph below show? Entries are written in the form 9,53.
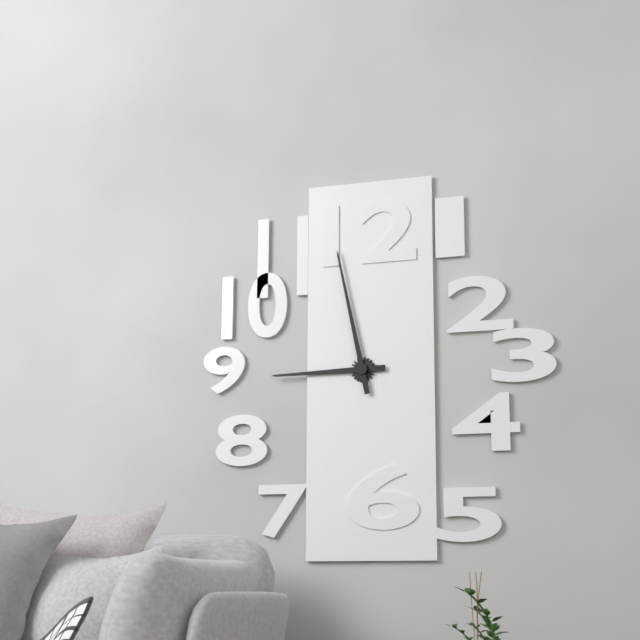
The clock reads 8,58
